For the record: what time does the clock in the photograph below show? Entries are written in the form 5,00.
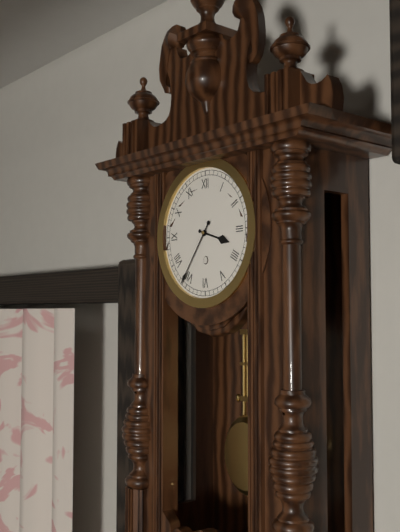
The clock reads 3,36
